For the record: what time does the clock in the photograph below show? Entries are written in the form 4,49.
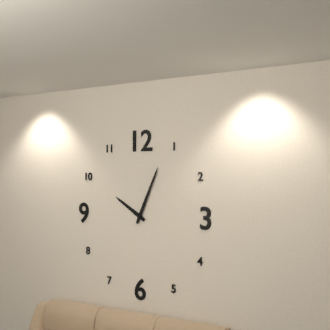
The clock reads 10,04
